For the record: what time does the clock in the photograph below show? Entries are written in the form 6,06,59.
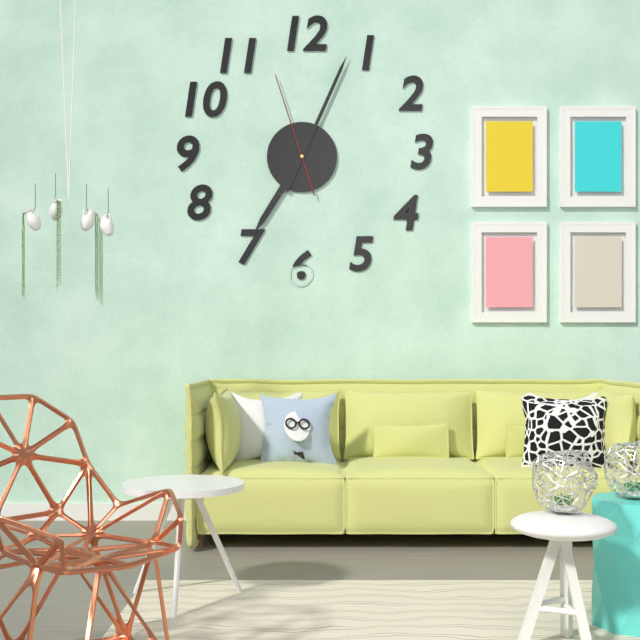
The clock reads 7,04,57
